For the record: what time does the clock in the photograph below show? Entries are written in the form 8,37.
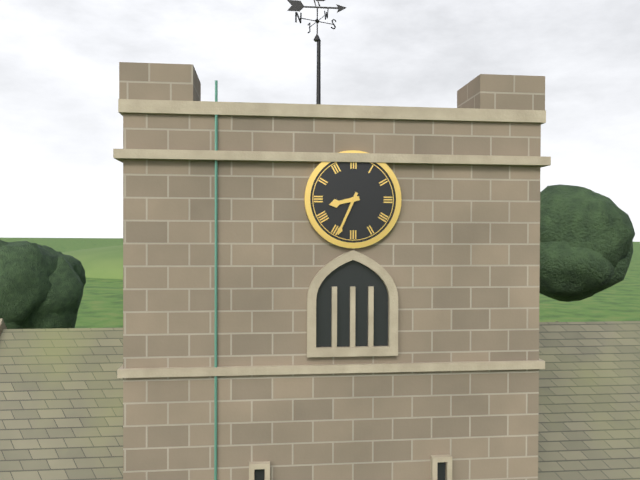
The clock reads 8,34
